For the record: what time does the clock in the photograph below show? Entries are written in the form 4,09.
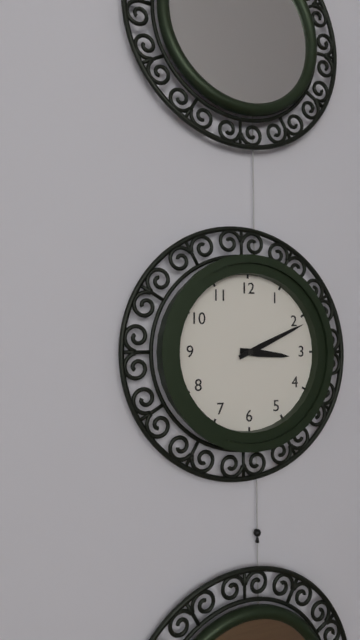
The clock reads 3,11
